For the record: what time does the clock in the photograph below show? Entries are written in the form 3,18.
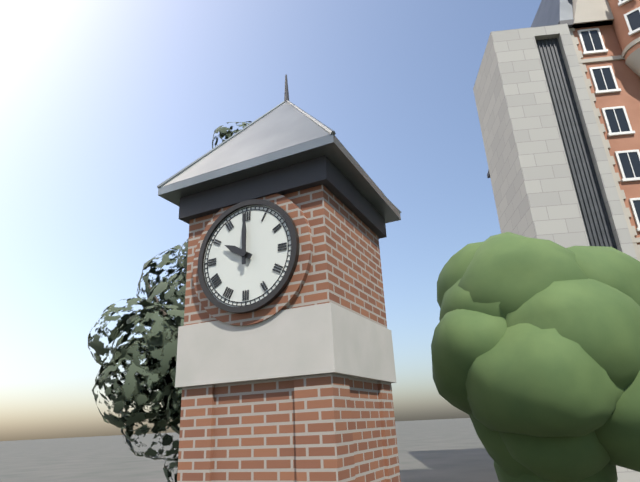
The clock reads 10,00
